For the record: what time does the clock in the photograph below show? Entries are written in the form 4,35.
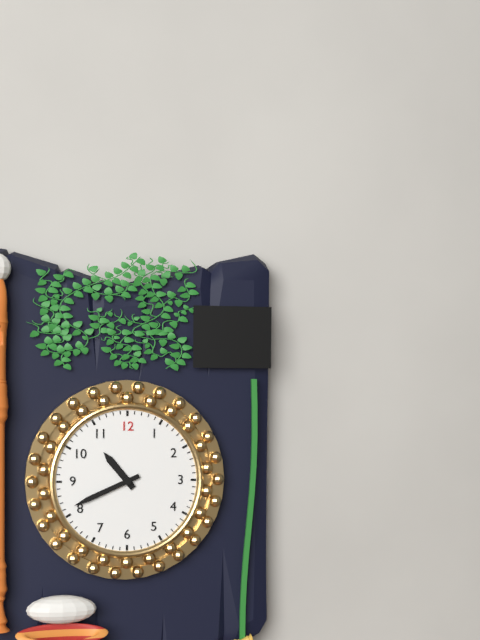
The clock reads 10,41
